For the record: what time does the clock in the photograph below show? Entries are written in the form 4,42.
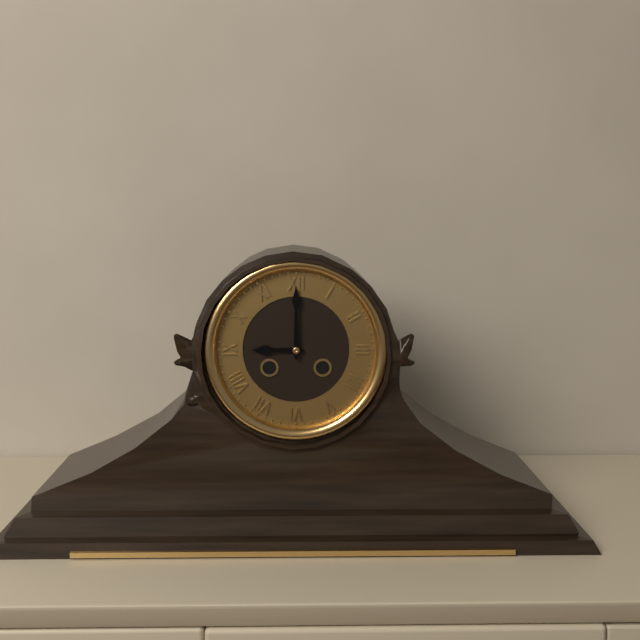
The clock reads 9,00
